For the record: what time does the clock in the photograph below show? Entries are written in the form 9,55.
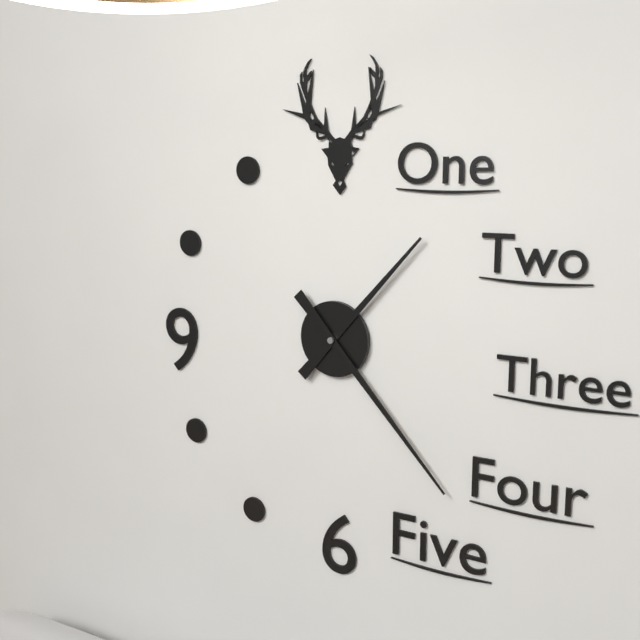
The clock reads 1,23
